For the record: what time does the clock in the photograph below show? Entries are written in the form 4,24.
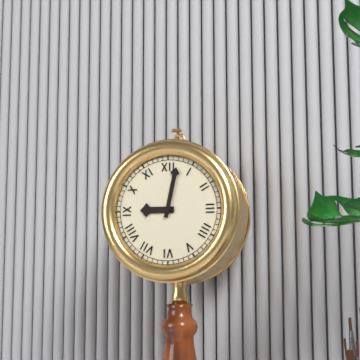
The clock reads 9,02
